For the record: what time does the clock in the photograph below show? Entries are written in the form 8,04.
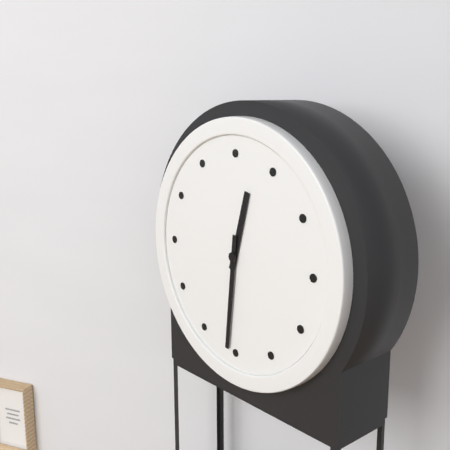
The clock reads 12,31
